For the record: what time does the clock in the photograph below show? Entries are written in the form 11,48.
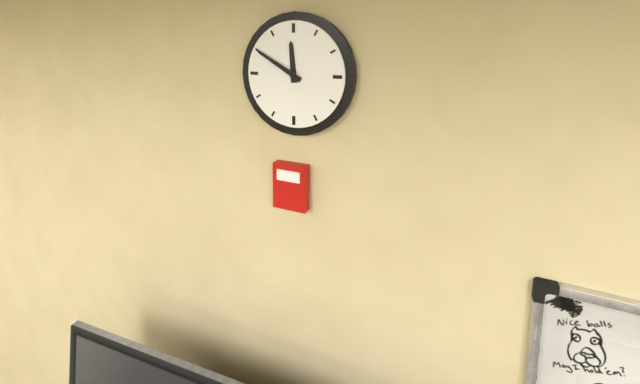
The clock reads 11,50
